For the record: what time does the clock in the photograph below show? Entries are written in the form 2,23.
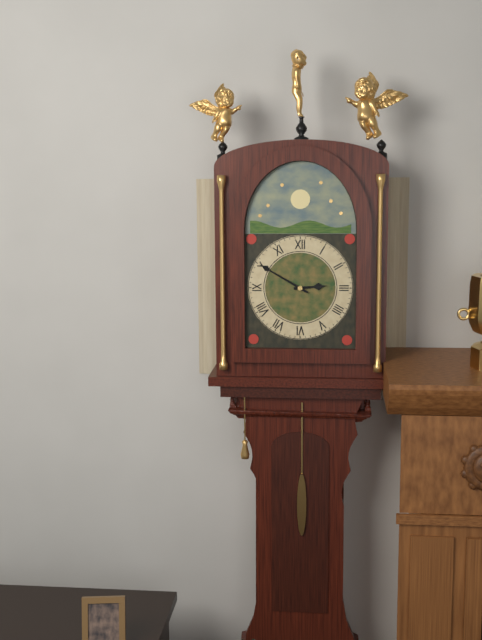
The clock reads 2,50
